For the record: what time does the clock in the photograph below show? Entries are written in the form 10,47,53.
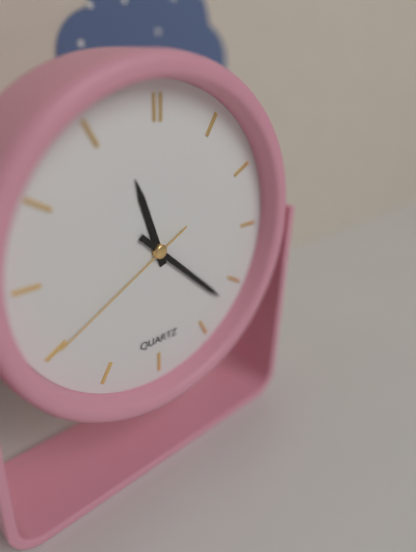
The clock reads 11,22,40
